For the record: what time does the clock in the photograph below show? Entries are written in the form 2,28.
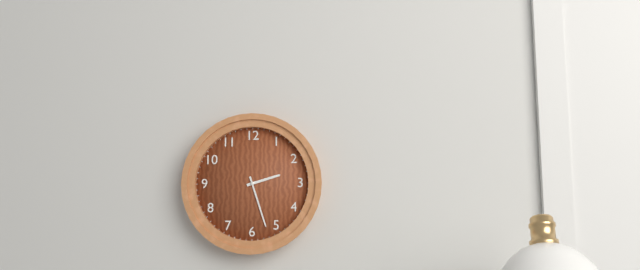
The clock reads 2,27
